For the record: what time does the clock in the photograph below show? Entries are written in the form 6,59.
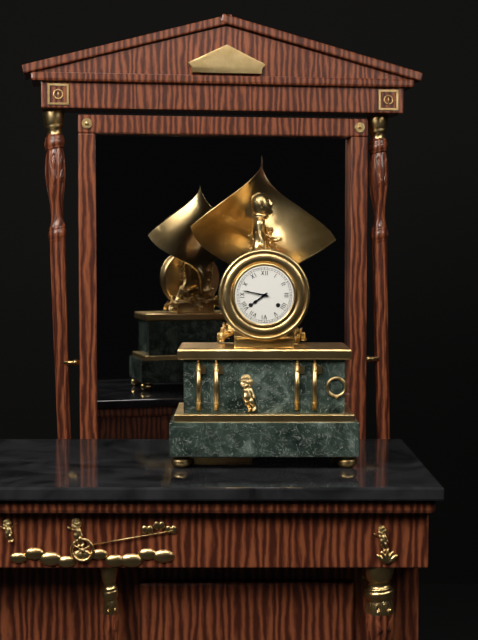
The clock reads 7,47
